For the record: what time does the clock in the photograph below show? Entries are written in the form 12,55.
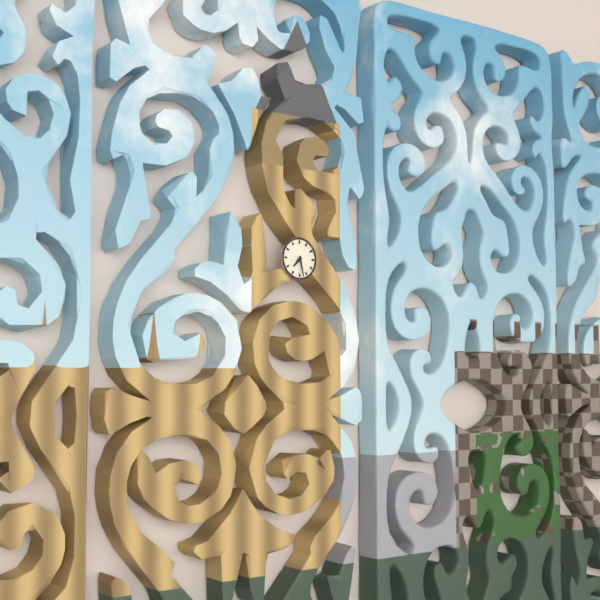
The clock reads 7,28
